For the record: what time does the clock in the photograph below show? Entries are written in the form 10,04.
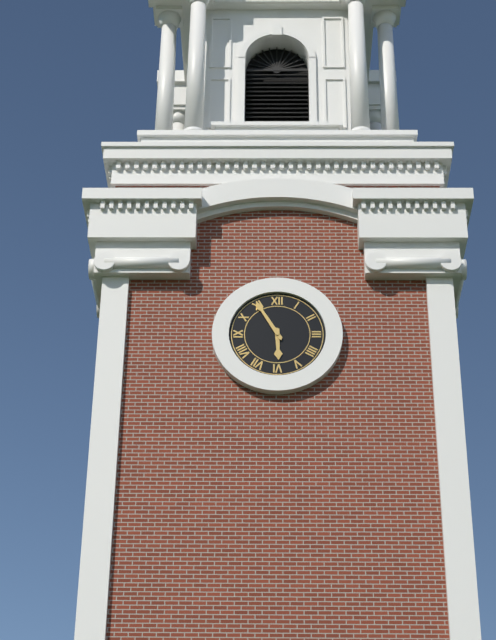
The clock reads 5,55
